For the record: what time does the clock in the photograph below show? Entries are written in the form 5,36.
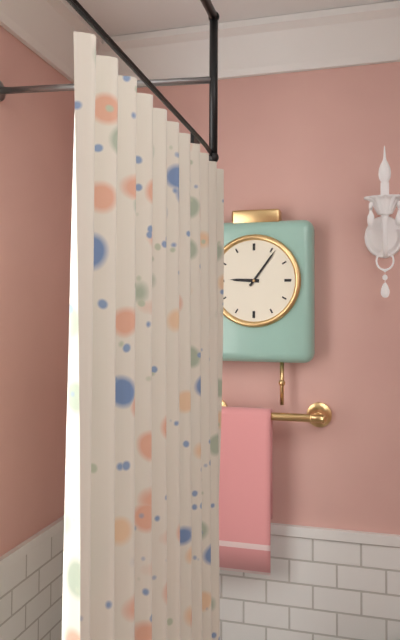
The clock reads 9,06
